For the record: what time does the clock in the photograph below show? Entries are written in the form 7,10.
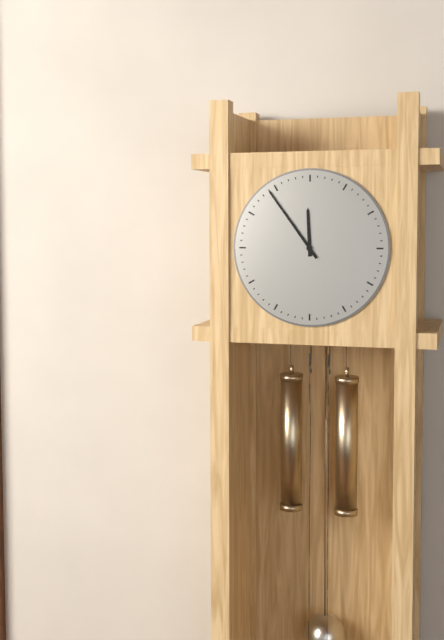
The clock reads 11,54
